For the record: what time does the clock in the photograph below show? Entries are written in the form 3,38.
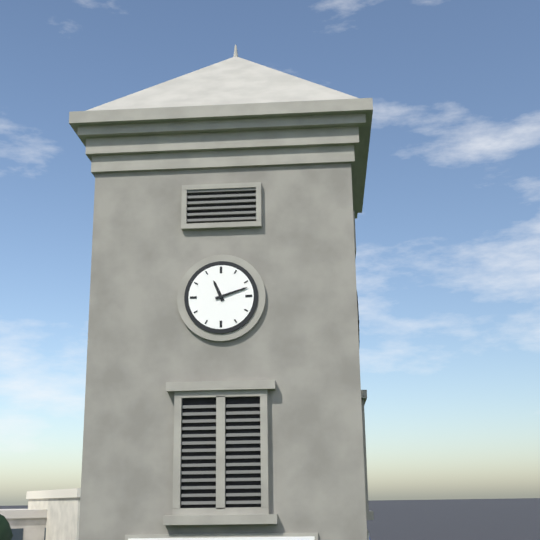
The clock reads 11,12
